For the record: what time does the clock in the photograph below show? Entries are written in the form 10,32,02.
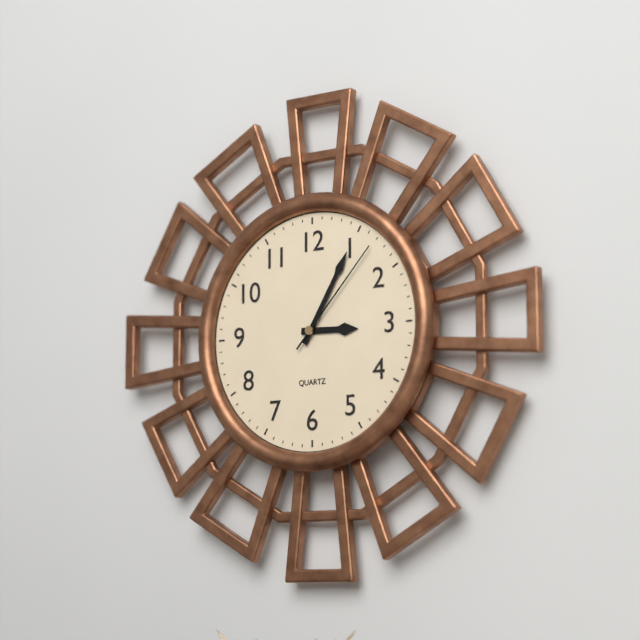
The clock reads 3,05,07
